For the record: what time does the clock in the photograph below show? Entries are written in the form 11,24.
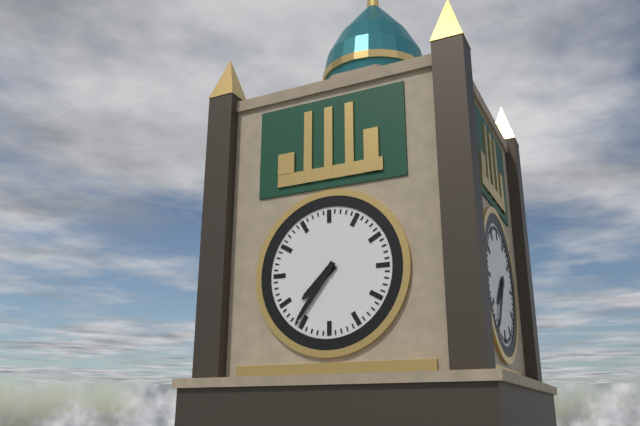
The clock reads 7,36
